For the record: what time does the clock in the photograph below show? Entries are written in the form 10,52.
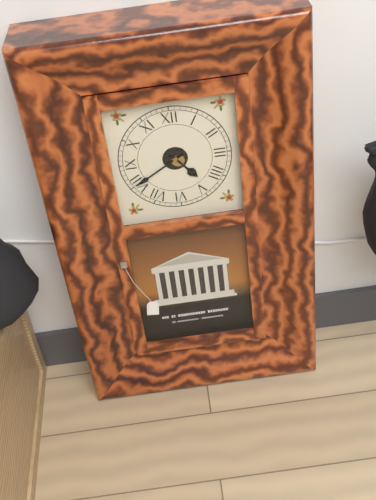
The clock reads 4,40
